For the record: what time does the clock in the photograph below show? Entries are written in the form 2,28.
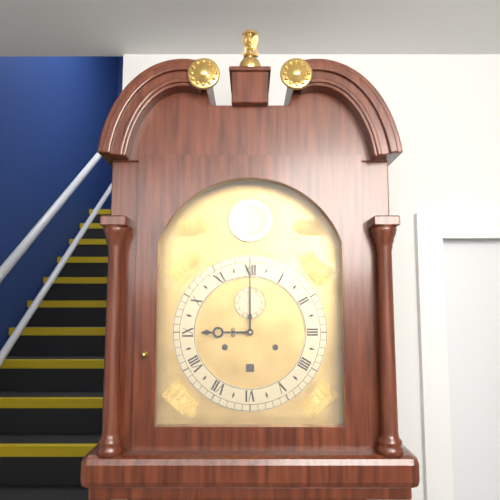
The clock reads 9,00
